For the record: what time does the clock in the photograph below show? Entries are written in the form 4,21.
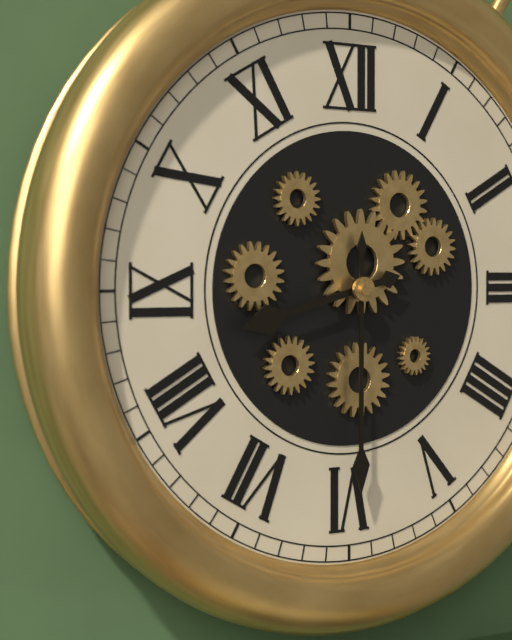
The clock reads 8,30
